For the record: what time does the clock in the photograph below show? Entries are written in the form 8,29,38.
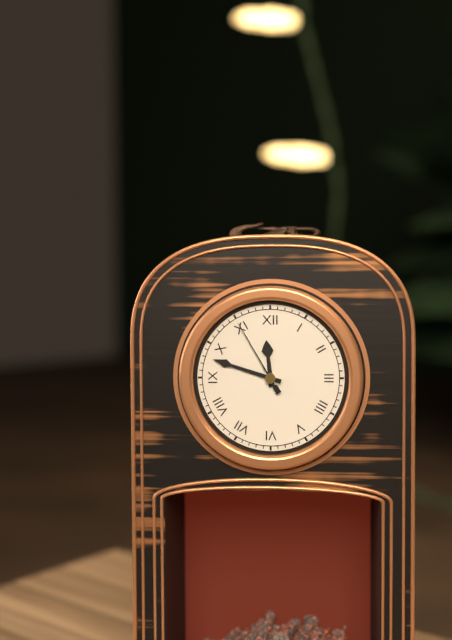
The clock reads 11,48,55
